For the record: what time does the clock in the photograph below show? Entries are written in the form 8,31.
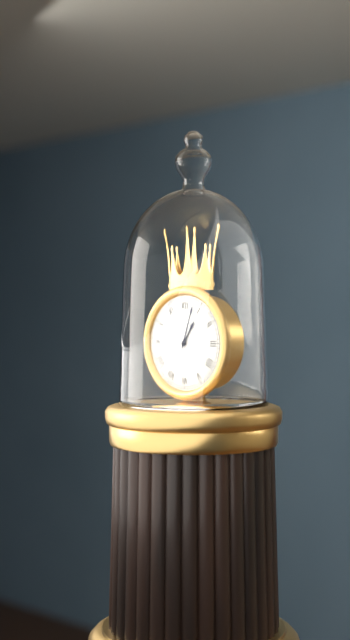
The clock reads 1,03
